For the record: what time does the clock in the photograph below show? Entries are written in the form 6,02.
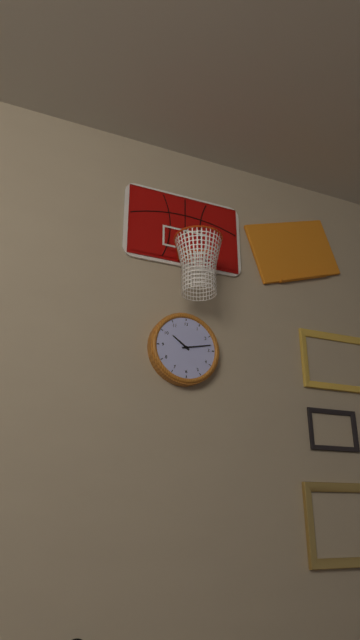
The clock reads 10,13
